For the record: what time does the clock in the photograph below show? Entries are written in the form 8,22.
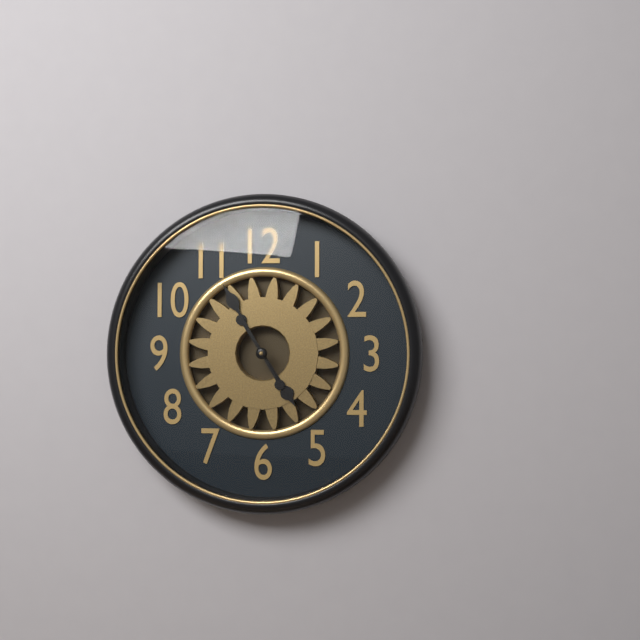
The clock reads 4,55
